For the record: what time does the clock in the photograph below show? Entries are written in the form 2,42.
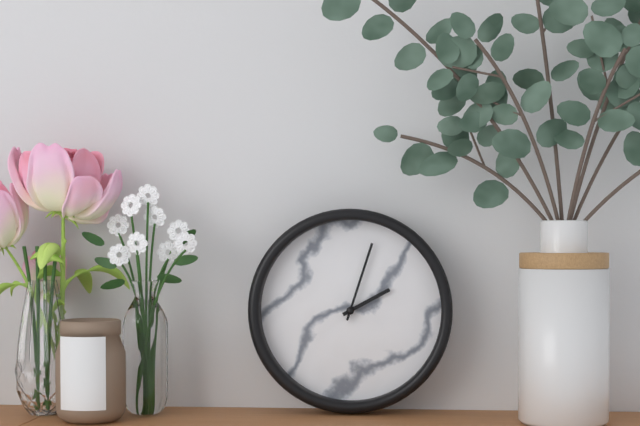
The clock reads 2,03
